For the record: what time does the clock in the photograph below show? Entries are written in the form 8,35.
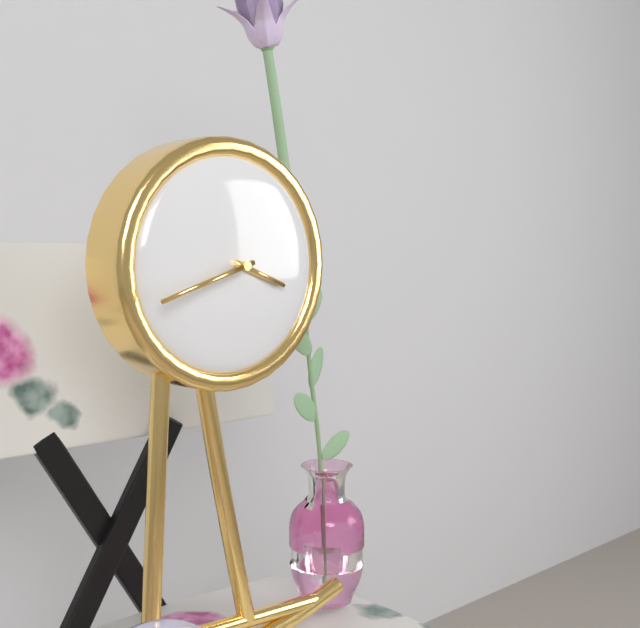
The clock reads 3,42
